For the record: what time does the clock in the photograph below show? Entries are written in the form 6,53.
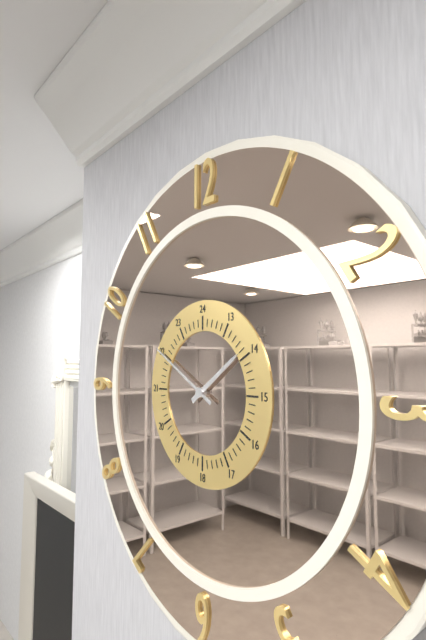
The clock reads 1,50
